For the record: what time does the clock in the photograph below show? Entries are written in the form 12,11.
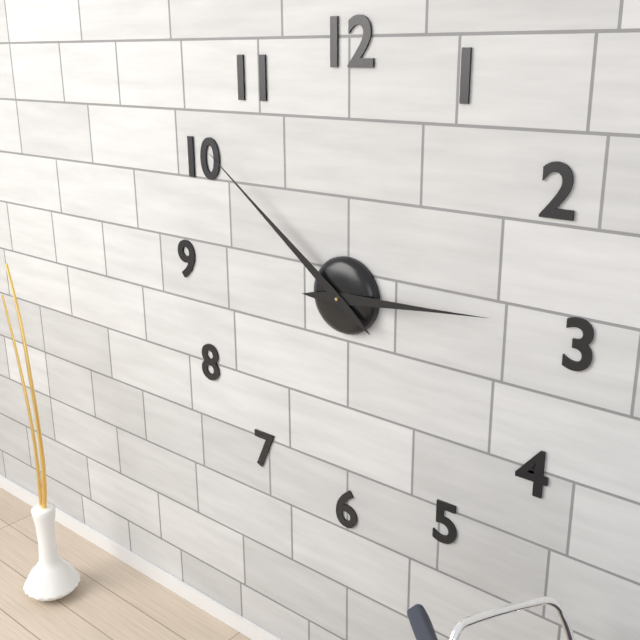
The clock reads 2,51
